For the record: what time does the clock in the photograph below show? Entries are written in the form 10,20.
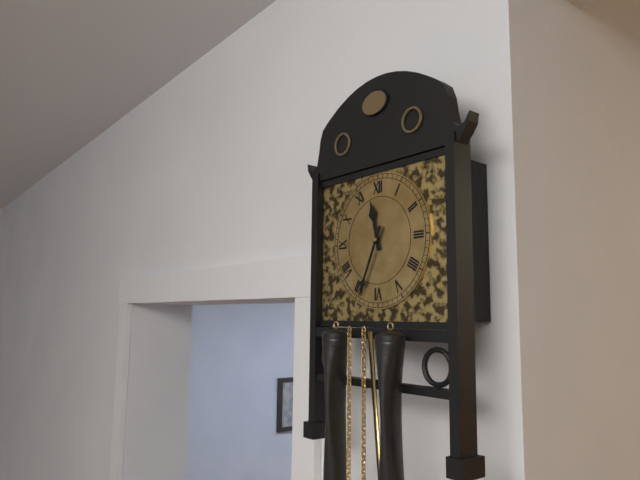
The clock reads 11,34
